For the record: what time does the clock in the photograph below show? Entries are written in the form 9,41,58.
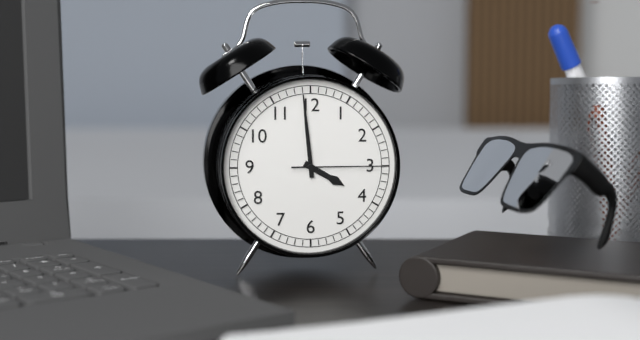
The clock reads 3,59,15
